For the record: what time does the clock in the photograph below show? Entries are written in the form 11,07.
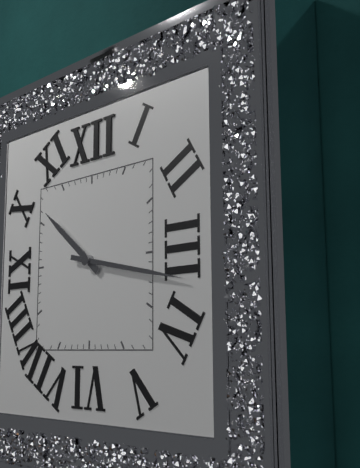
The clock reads 10,17
